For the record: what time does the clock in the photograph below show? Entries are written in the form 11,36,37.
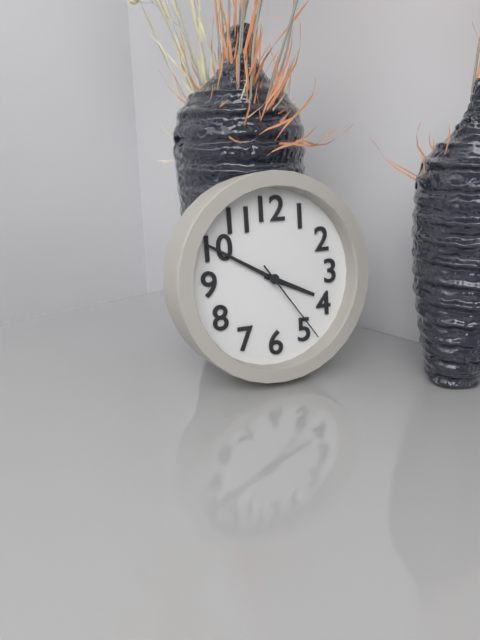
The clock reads 3,50,24
